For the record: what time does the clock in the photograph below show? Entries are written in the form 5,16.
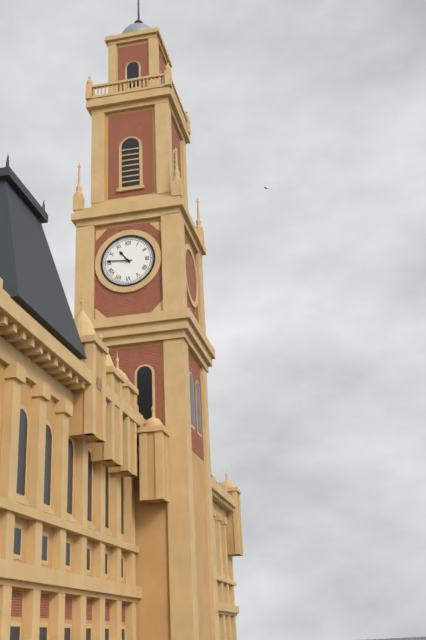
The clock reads 10,46
